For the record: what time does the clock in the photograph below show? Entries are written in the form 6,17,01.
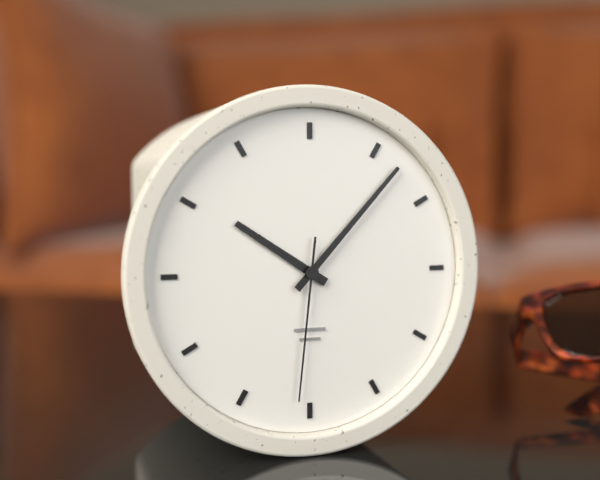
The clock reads 10,07,31
